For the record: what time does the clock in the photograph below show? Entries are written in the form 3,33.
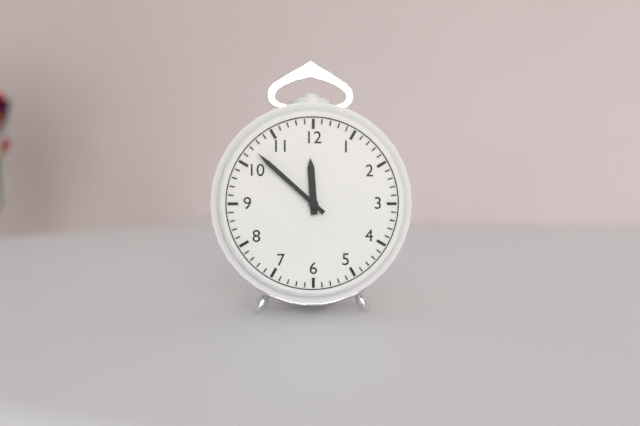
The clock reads 11,52
